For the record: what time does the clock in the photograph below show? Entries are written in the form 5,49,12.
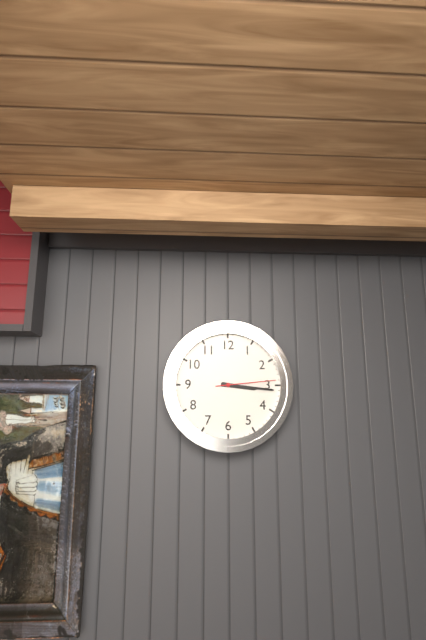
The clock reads 3,16,14
